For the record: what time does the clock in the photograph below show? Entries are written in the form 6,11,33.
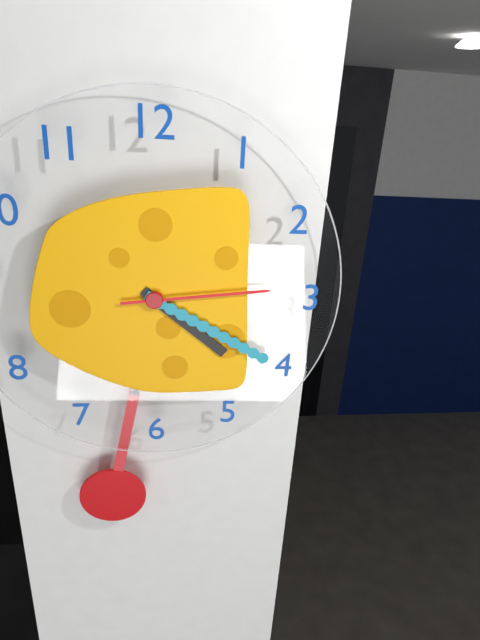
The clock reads 4,20,14
